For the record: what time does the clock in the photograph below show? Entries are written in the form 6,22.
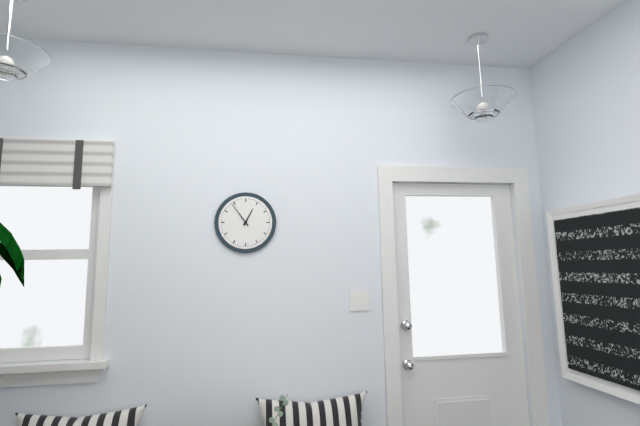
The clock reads 12,54
